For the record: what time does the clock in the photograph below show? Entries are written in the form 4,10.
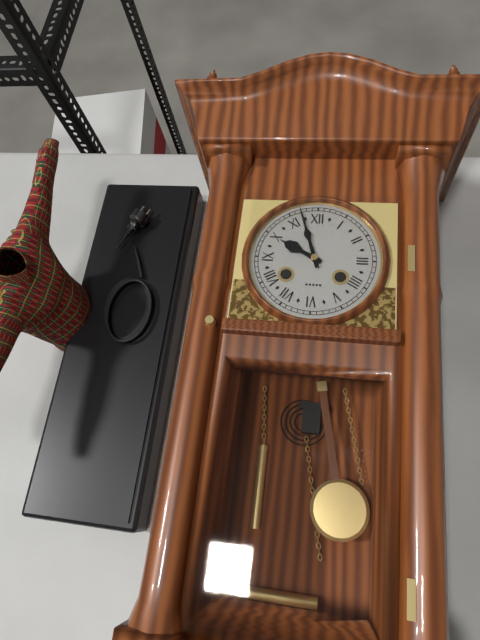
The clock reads 9,57
